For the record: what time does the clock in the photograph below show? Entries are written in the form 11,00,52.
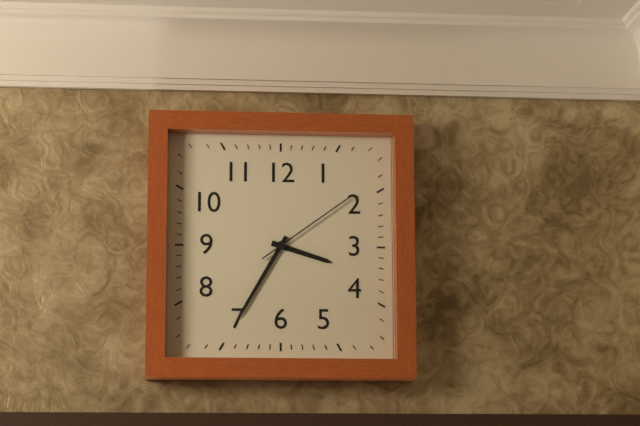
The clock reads 3,35,09
